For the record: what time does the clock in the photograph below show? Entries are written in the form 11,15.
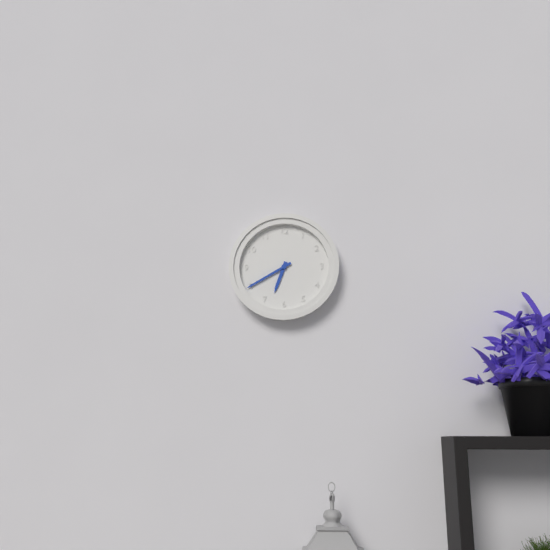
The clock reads 6,40
